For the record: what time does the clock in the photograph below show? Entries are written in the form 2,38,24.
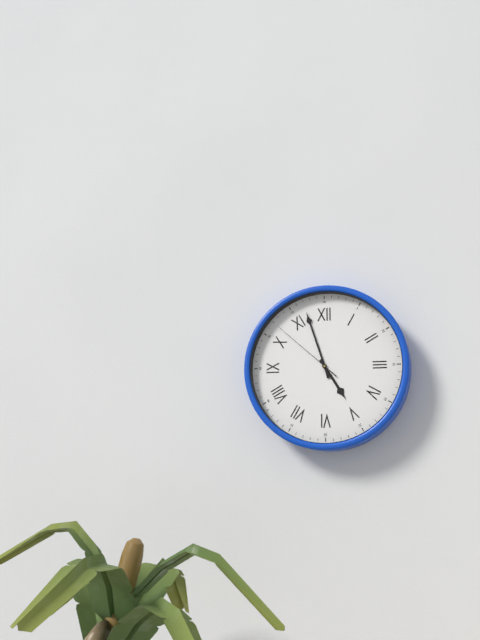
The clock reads 4,57,52
